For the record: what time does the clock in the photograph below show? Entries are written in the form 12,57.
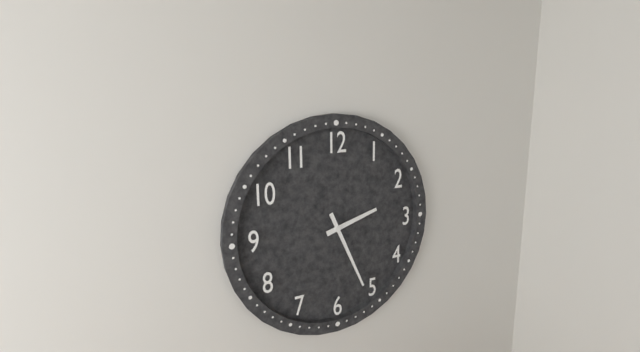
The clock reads 2,26
